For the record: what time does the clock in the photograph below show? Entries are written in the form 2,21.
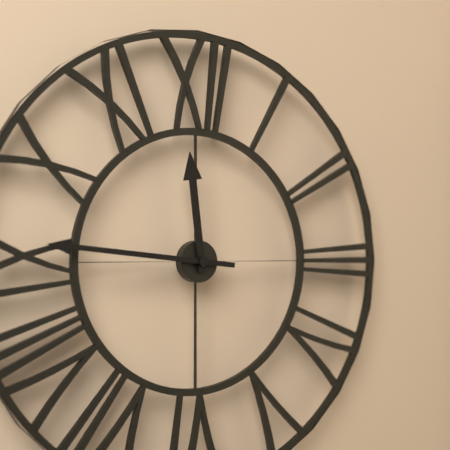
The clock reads 11,46
